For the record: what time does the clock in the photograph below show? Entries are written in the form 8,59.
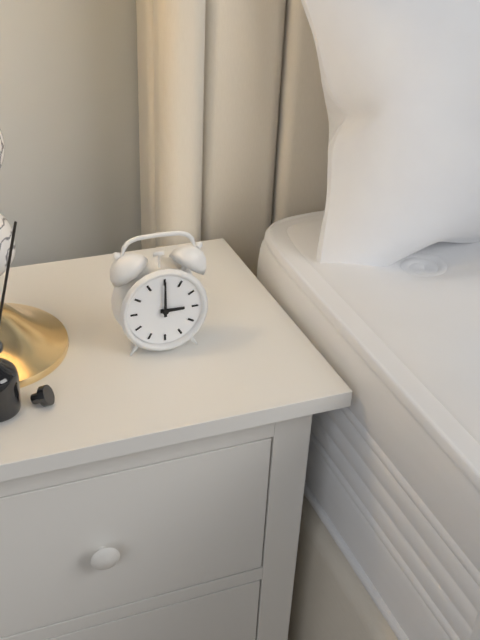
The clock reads 3,00
